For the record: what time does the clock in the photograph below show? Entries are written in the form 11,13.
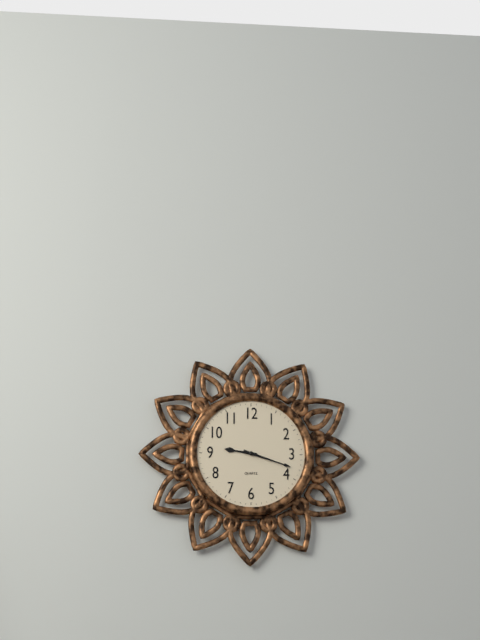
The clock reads 9,18
